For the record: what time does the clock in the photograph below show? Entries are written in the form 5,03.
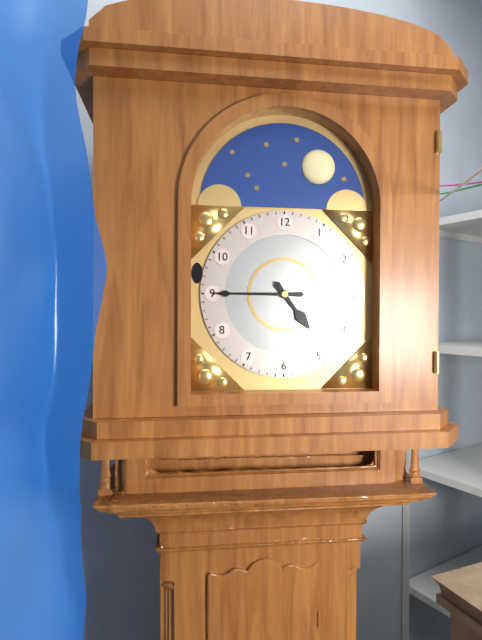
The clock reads 4,45
